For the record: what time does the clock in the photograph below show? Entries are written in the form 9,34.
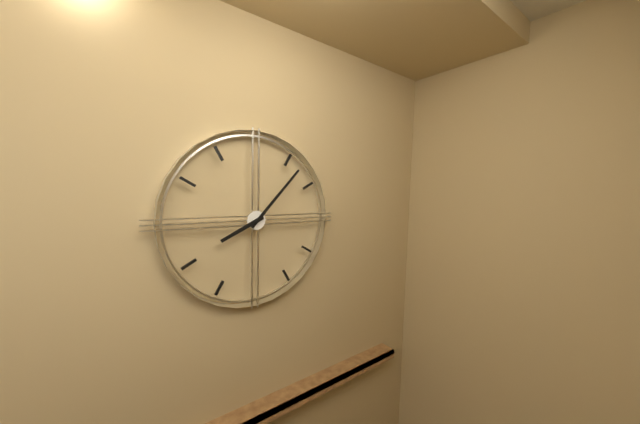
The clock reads 8,07
